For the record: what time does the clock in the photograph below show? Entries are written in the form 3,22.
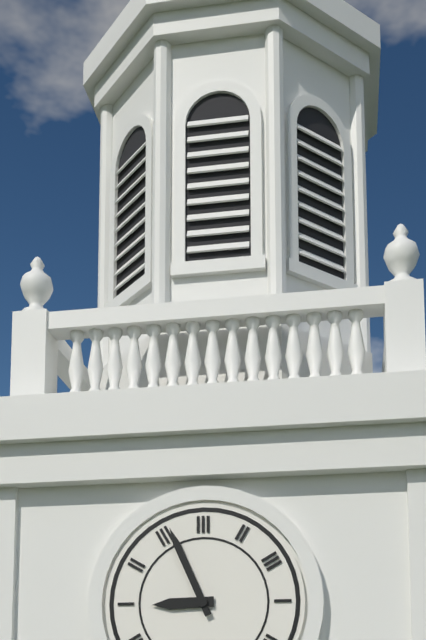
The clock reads 8,56
